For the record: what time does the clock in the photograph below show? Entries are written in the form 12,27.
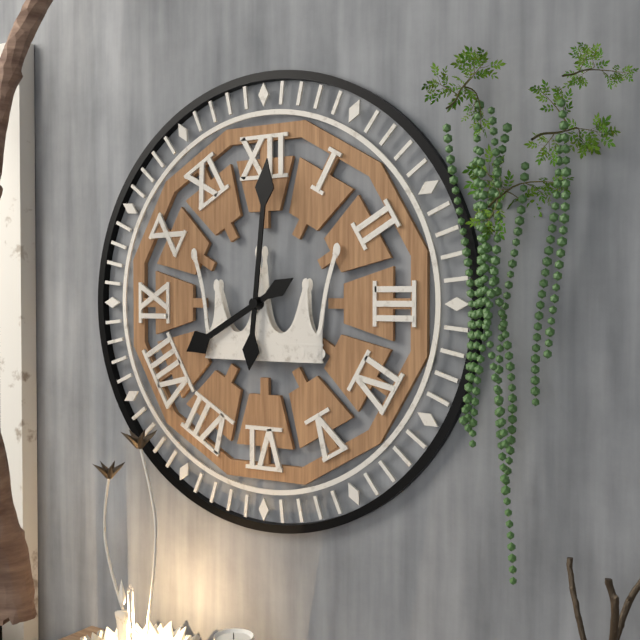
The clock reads 8,01
